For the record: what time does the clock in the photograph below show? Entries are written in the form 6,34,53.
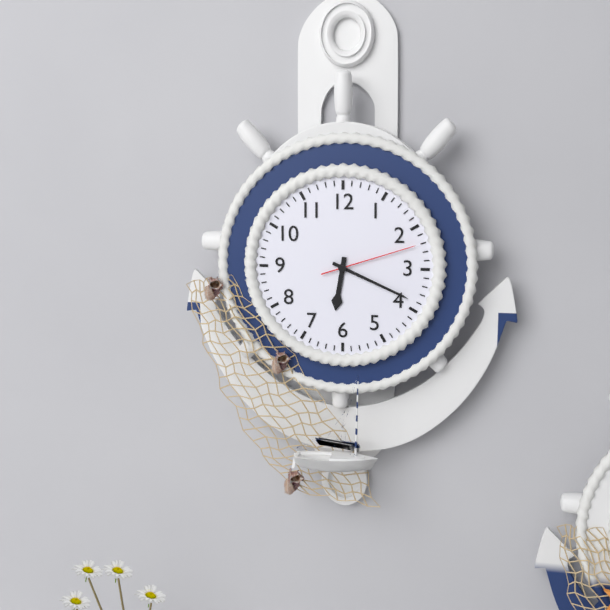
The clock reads 6,19,12
